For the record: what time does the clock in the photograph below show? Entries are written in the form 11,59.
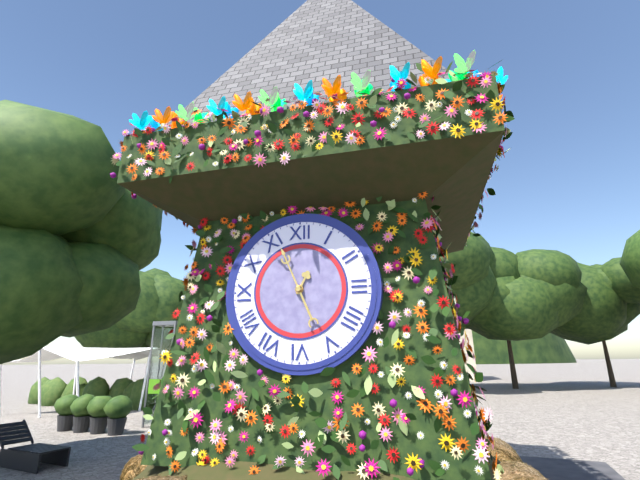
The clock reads 12,56
